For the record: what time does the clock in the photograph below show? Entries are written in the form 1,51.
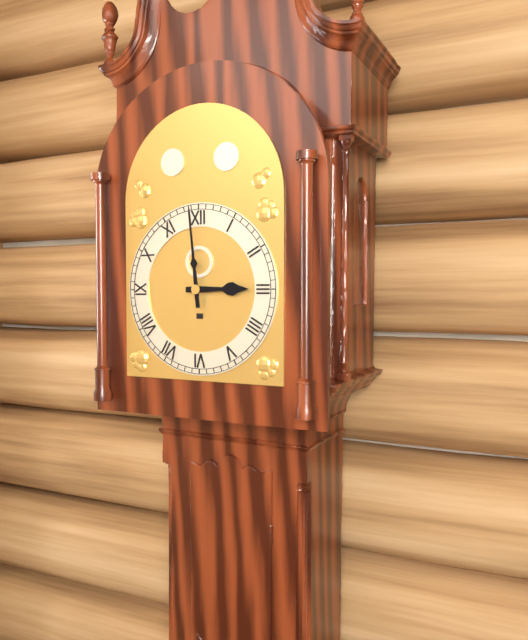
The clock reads 2,59
